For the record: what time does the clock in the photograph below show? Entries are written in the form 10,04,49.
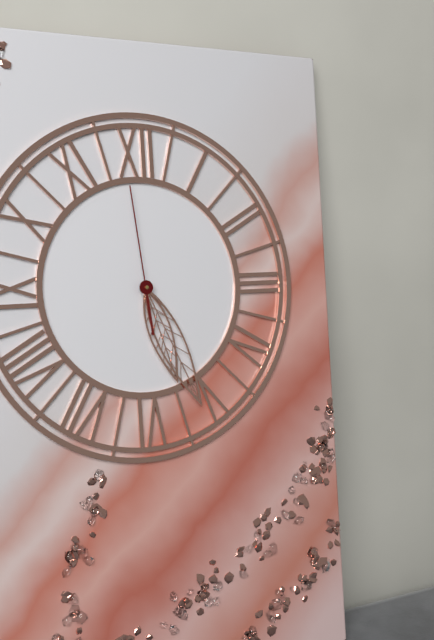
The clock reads 5,26,59
